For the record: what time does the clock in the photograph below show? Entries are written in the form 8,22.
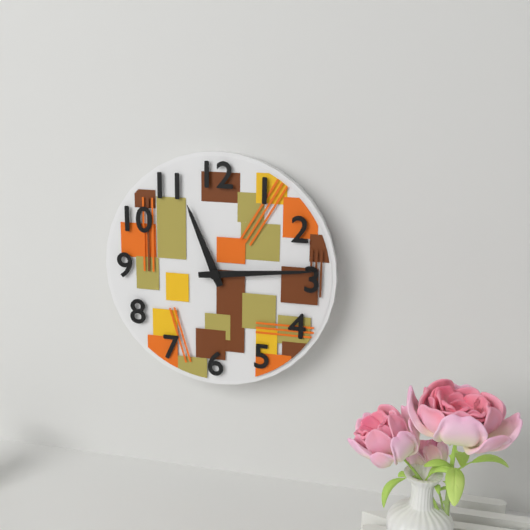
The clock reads 11,14
